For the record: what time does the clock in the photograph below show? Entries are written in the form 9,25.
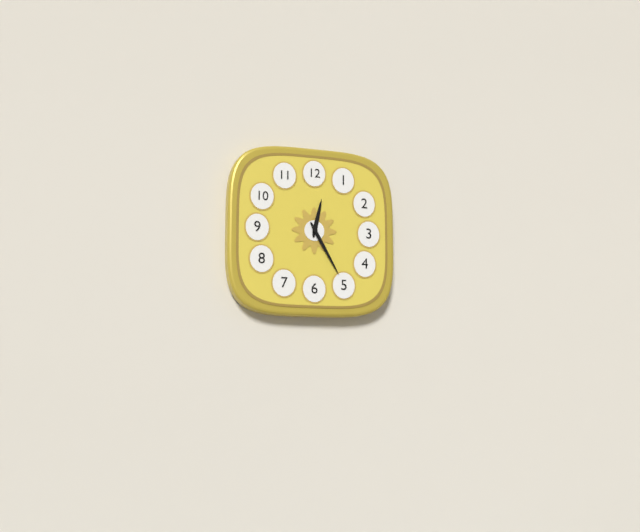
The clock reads 12,25
